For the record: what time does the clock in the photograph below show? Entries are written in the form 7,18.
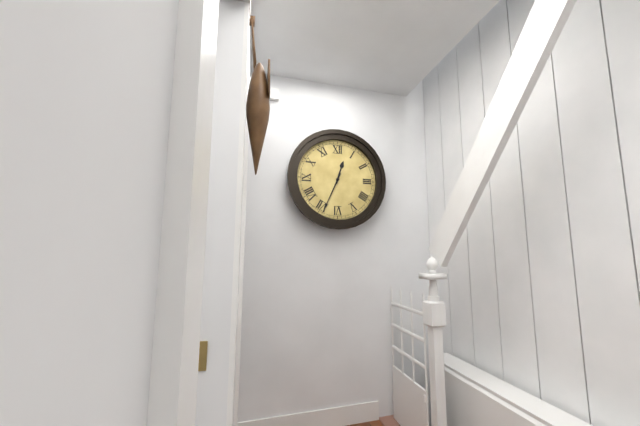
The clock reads 12,34
